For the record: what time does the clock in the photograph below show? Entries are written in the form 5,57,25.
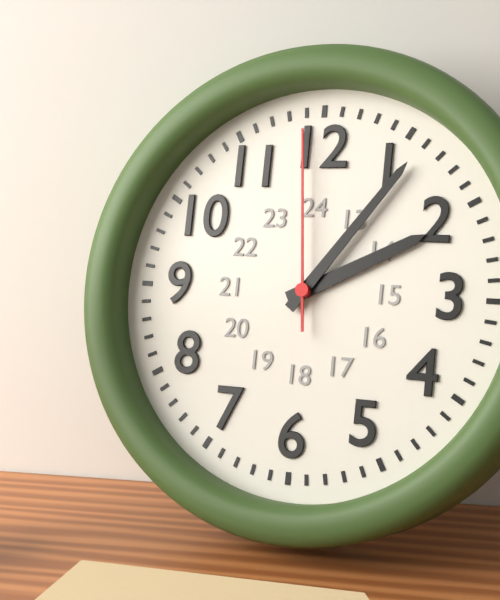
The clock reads 2,06,59
